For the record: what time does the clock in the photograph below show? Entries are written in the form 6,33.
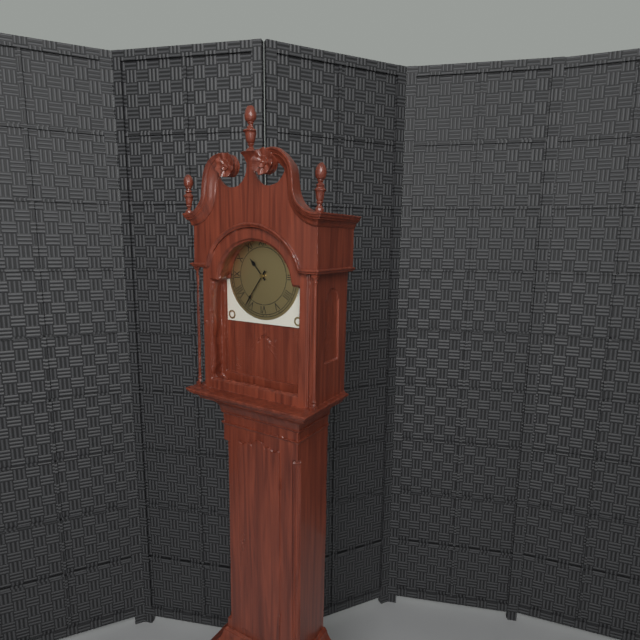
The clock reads 10,36
